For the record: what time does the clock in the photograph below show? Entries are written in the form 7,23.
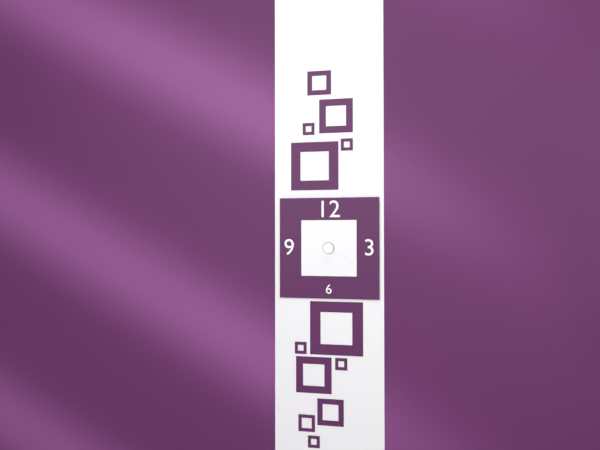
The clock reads 6,20
